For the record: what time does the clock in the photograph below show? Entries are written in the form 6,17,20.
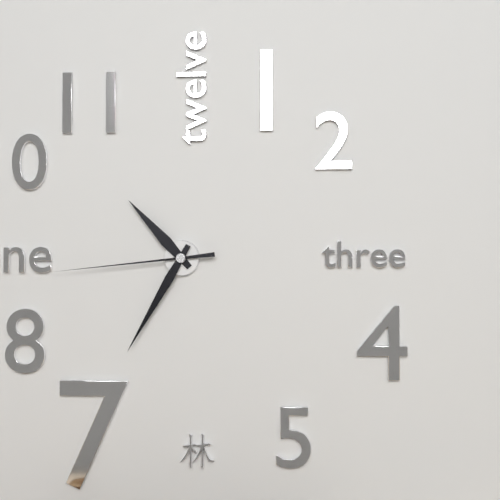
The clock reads 10,35,44
